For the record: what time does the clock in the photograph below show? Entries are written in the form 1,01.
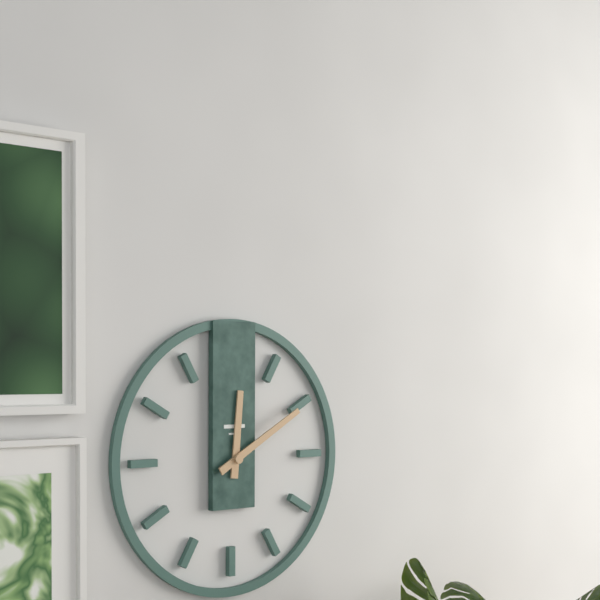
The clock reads 12,10
